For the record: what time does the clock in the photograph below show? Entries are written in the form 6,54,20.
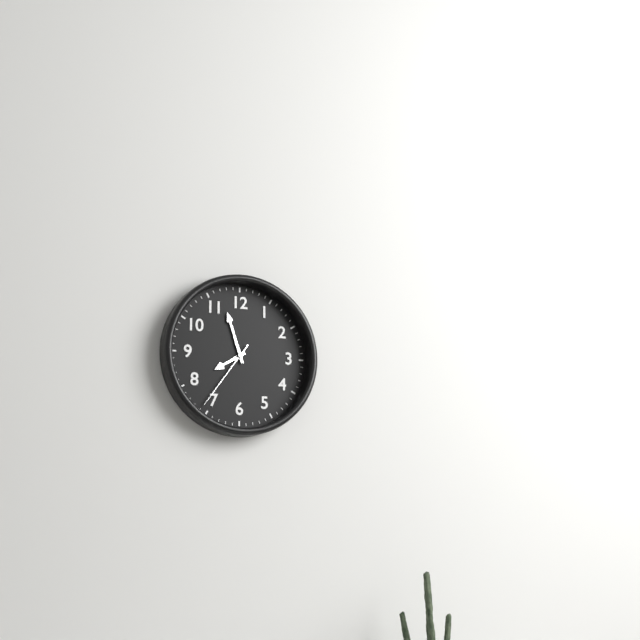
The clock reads 7,57,36
